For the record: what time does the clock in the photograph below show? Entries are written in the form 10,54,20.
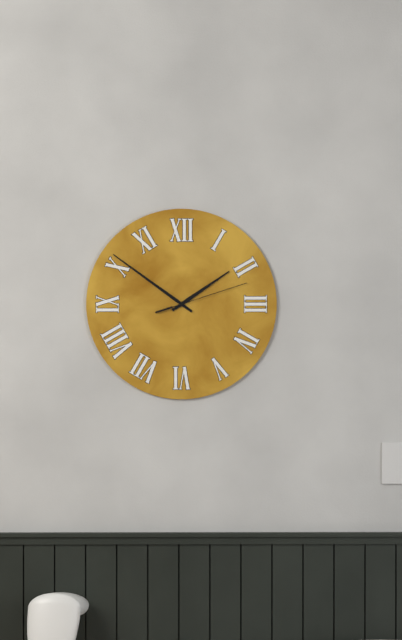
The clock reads 1,51,12
